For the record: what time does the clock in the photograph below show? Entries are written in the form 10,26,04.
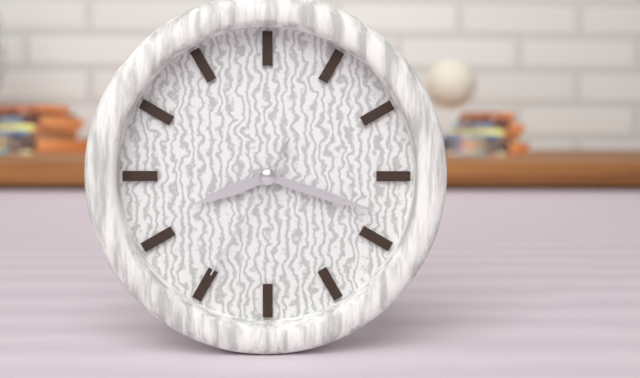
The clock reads 8,18,35
